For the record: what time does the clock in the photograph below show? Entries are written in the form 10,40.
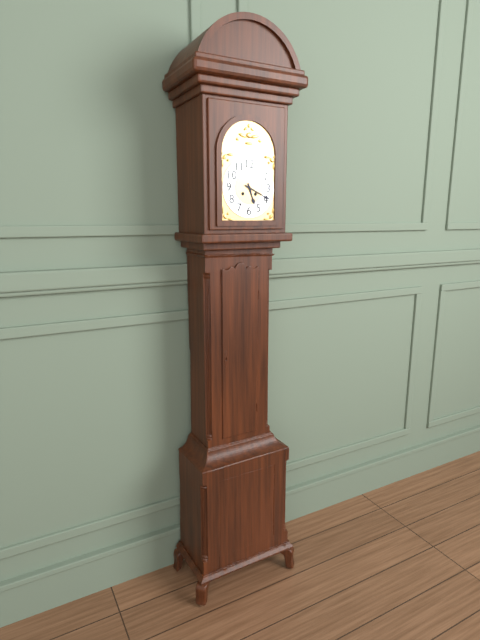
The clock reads 5,19
